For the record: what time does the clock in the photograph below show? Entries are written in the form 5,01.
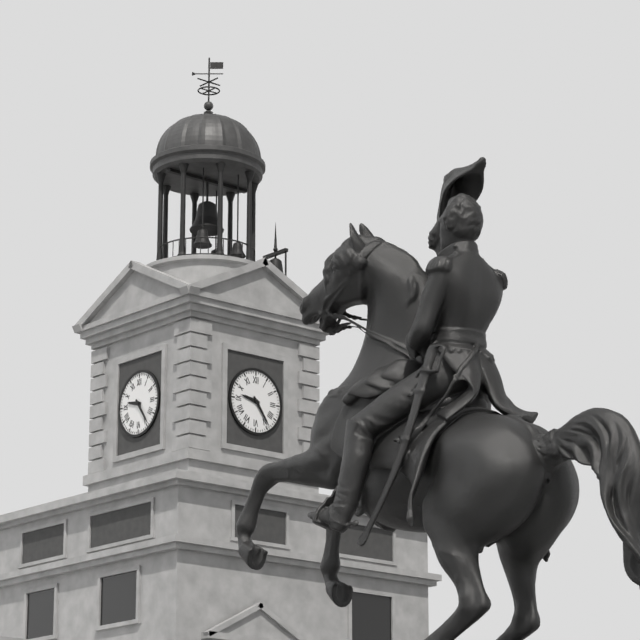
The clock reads 9,24
